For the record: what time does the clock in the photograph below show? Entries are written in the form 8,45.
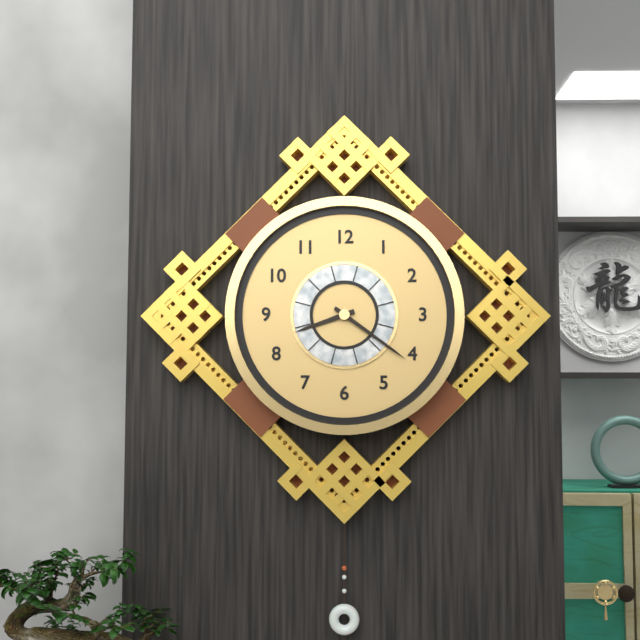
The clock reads 8,21
